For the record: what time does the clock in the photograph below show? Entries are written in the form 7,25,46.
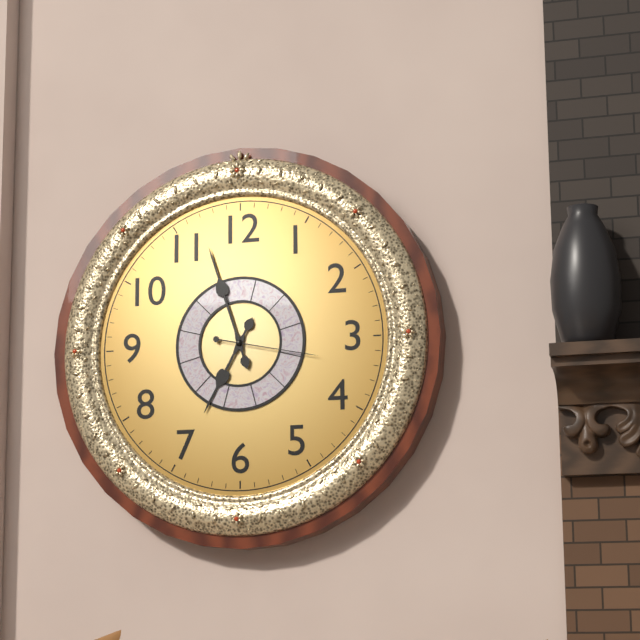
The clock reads 6,57,17
